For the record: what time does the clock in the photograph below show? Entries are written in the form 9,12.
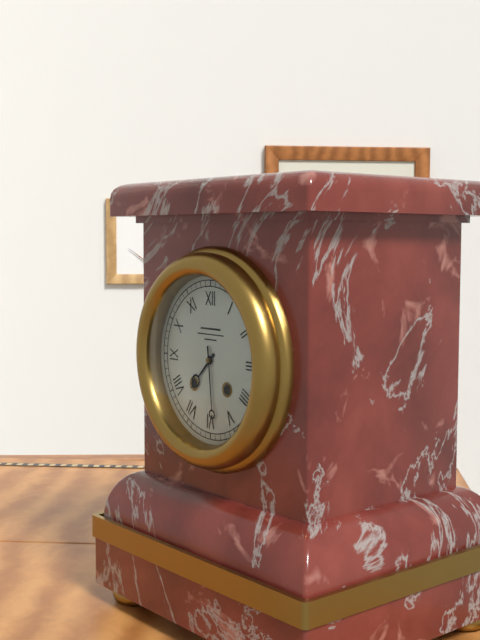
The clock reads 7,29
